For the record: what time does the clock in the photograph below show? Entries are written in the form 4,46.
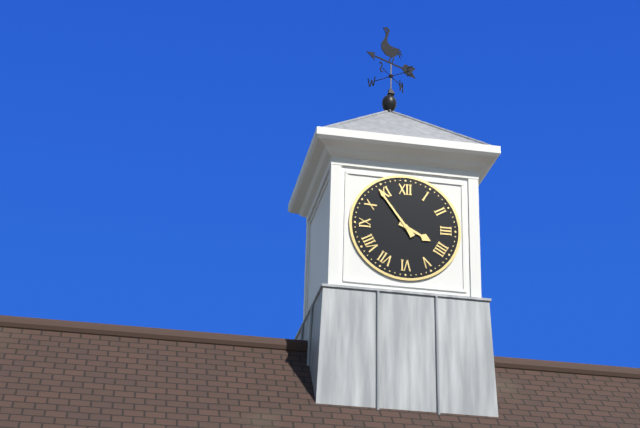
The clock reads 3,54
